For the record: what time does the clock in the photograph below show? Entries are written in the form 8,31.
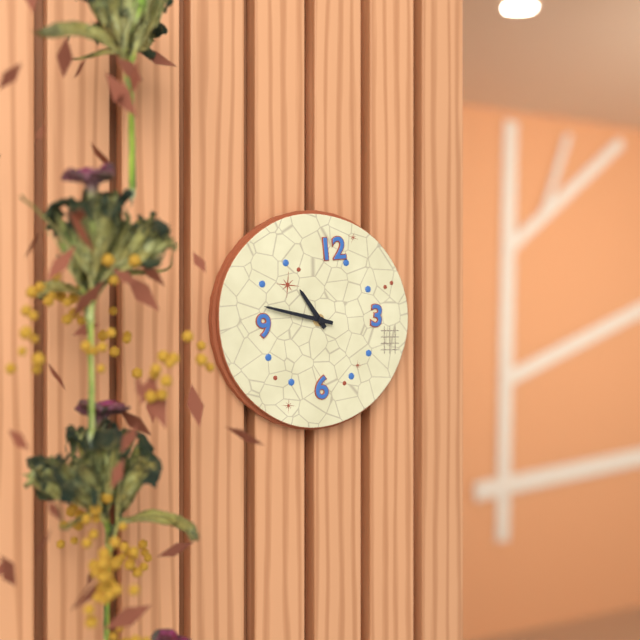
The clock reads 10,47
